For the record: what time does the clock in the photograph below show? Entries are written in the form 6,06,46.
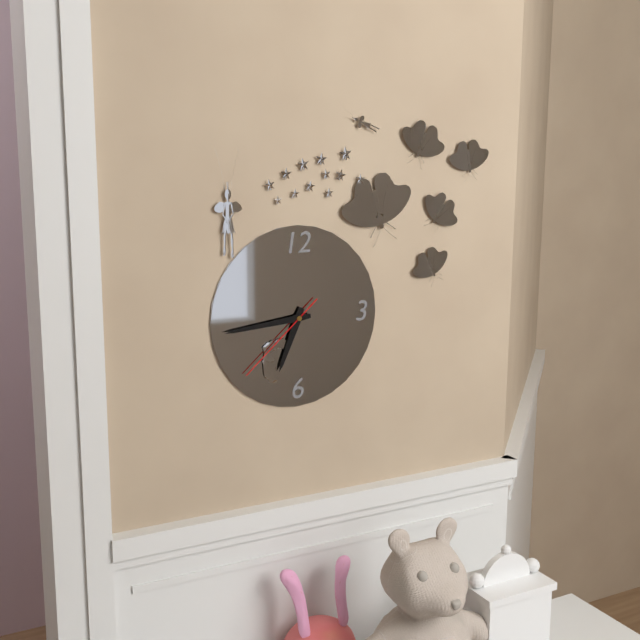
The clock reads 6,44,38
